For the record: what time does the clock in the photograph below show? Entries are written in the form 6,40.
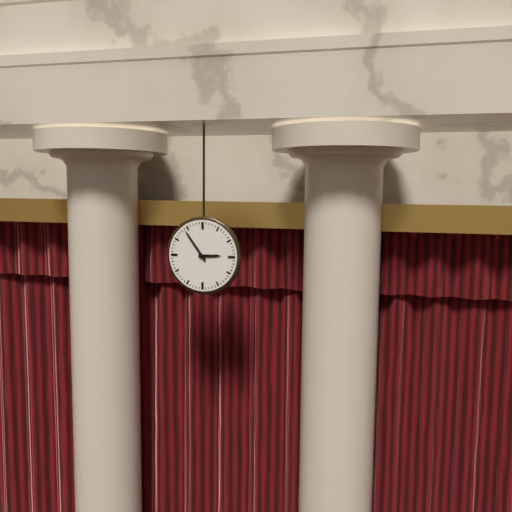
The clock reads 2,54
